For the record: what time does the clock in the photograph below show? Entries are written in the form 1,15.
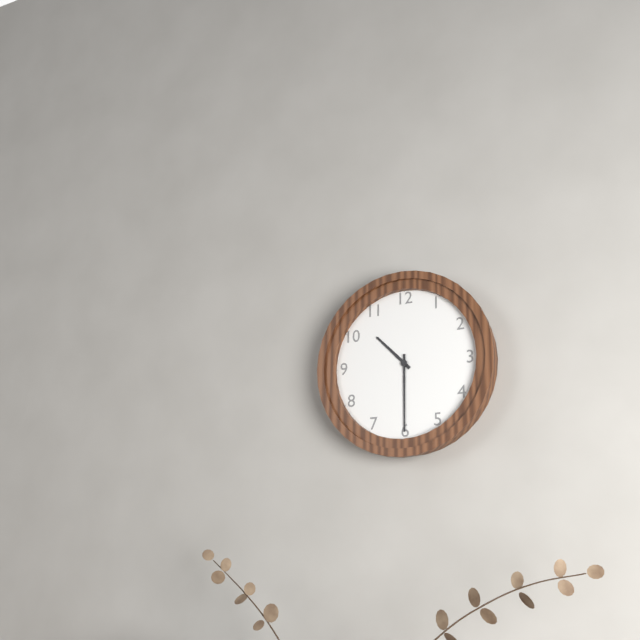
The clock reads 10,30
